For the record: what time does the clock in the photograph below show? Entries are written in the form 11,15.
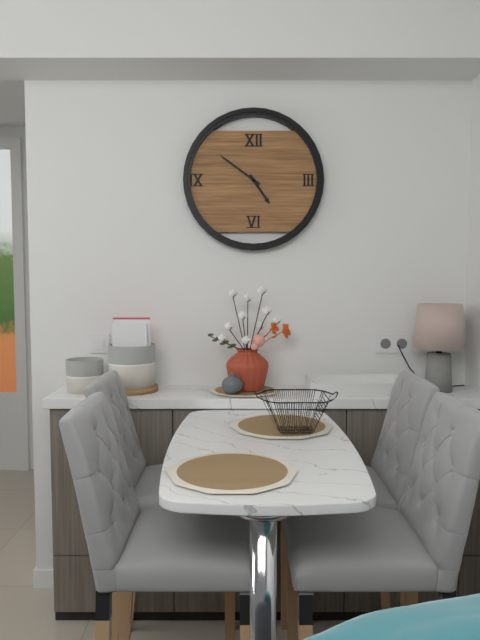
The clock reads 4,51
